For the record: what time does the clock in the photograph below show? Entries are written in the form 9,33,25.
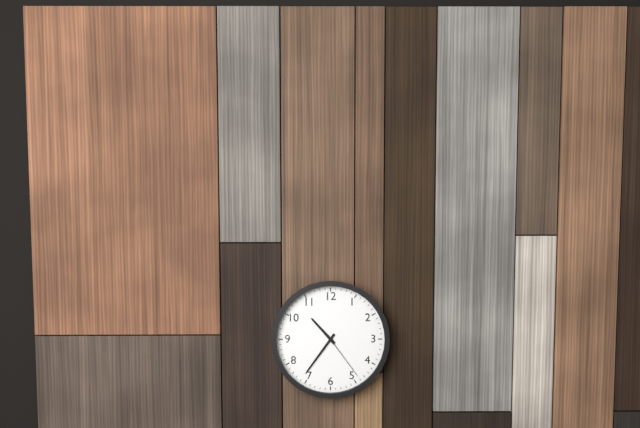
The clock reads 10,36,24
